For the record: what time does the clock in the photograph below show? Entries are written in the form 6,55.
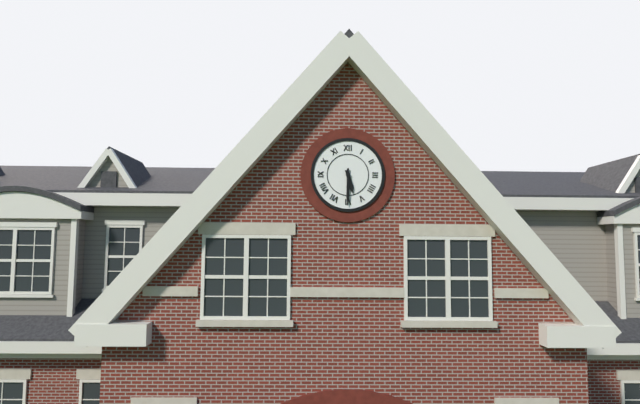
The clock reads 5,30
